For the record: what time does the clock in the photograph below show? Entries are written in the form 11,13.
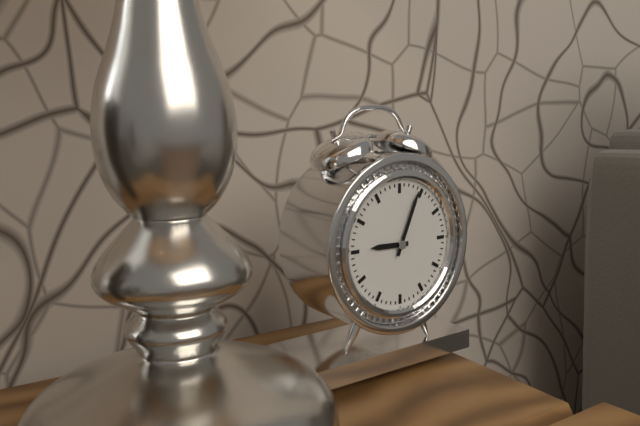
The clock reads 9,04
